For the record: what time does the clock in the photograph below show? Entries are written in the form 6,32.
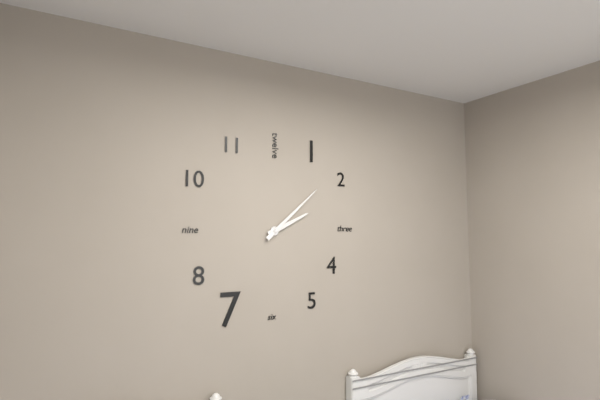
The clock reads 2,08
